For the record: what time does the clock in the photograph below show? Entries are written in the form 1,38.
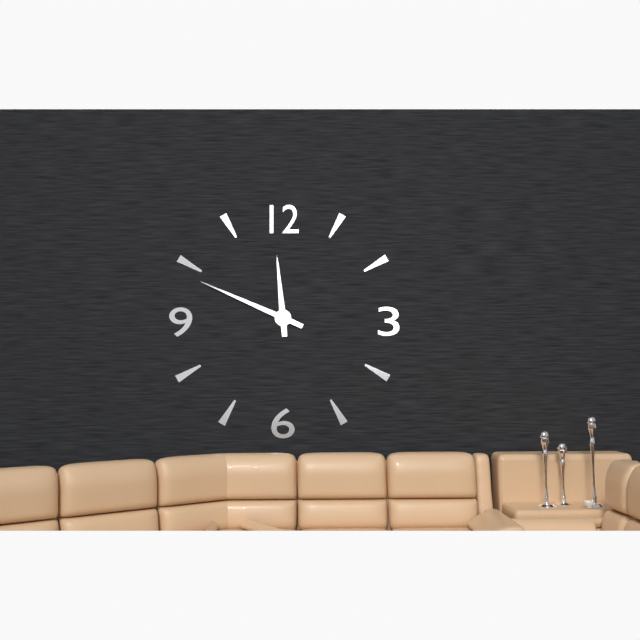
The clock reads 11,49
